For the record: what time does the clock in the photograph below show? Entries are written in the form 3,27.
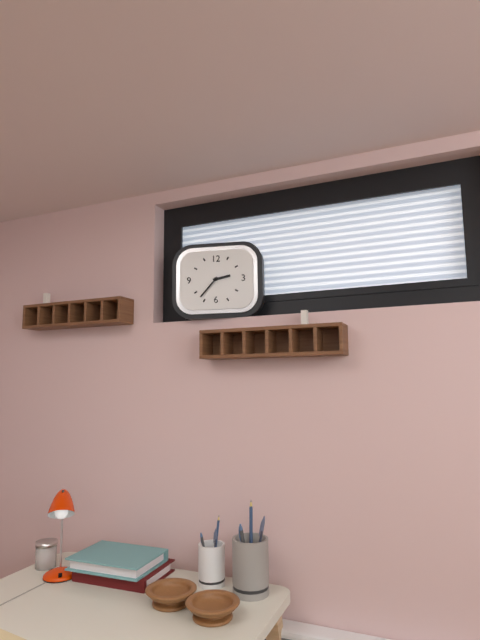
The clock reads 2,37
